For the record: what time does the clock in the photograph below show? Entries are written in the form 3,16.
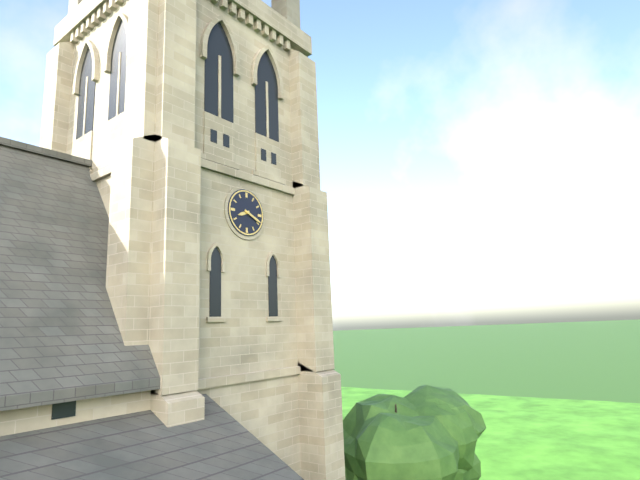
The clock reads 8,19
